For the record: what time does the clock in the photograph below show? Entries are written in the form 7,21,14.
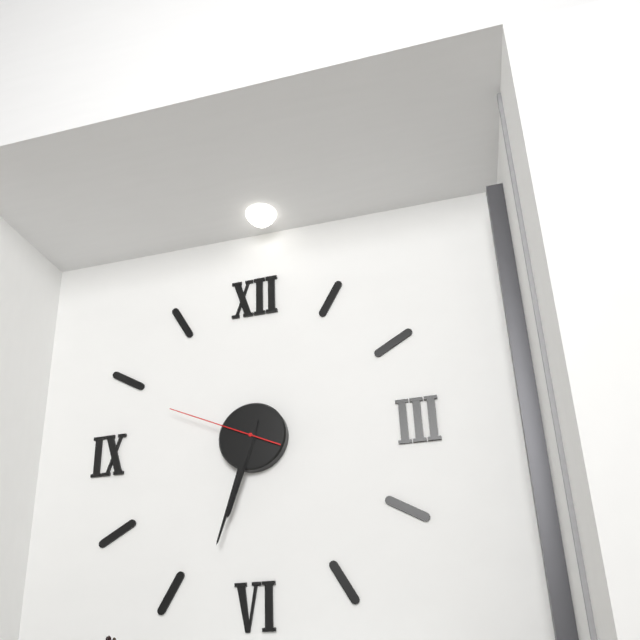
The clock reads 6,33,49
